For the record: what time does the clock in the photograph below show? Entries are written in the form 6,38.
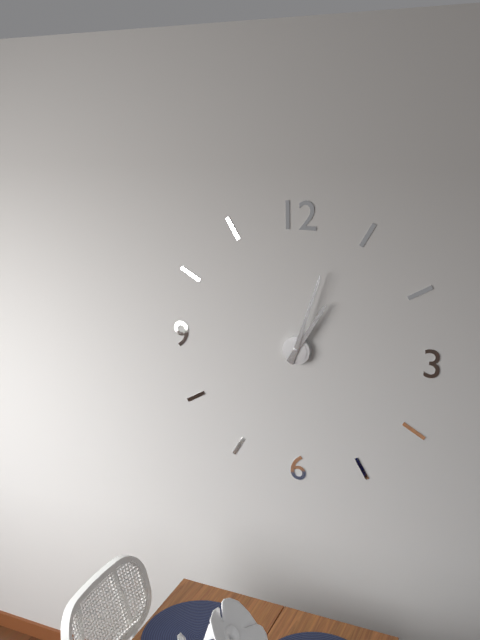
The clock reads 1,03
